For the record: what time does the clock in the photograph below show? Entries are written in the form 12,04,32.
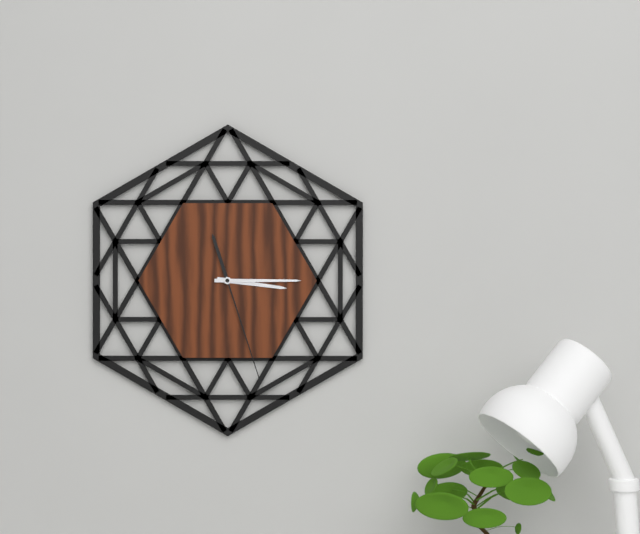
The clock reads 3,15,27
